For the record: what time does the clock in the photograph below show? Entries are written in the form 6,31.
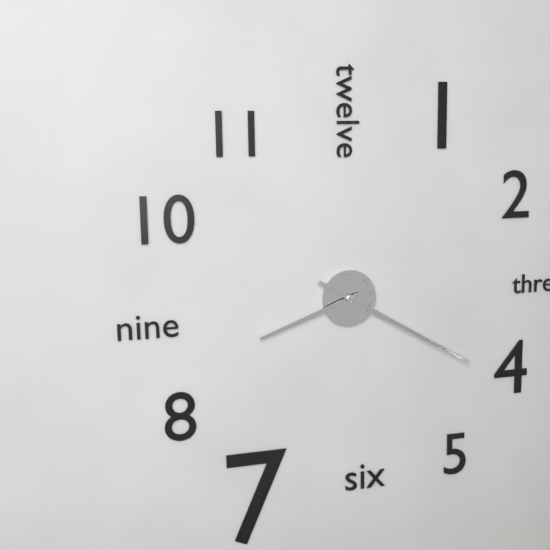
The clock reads 8,20
